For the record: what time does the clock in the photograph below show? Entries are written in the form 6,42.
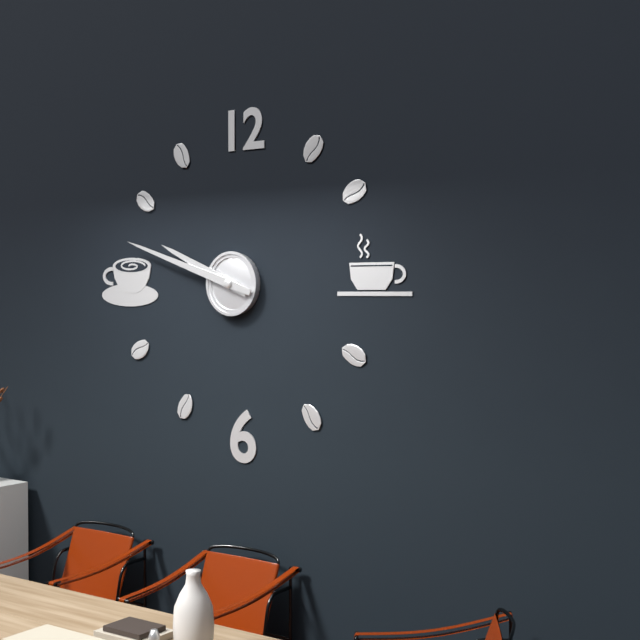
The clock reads 9,48
